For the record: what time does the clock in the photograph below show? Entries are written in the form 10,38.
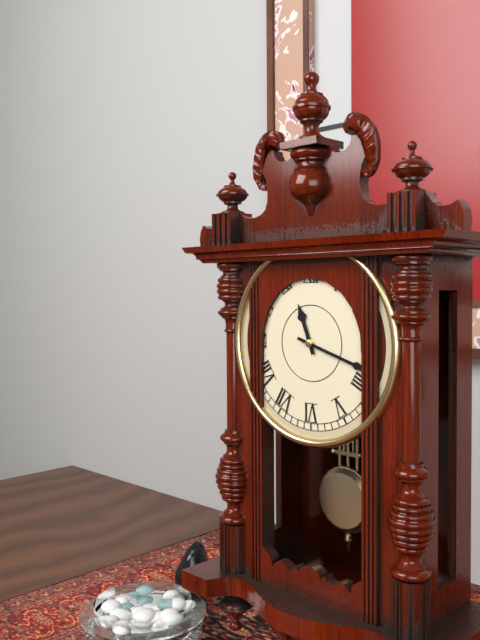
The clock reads 11,18
